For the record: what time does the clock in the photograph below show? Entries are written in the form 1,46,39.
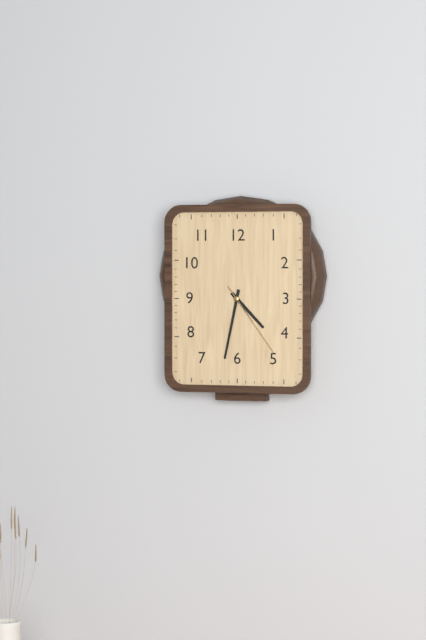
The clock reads 4,32,24
